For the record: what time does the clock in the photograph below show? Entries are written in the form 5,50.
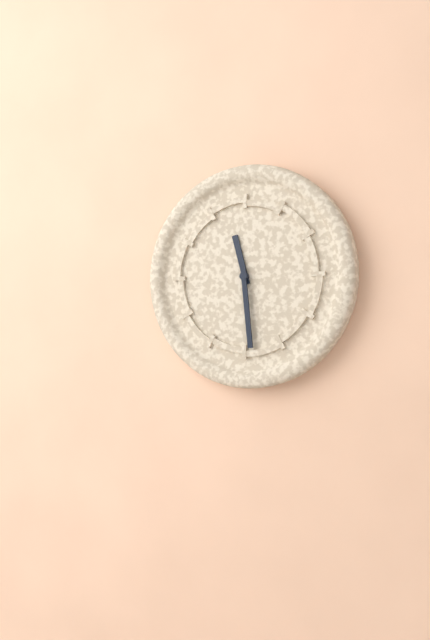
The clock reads 11,29
